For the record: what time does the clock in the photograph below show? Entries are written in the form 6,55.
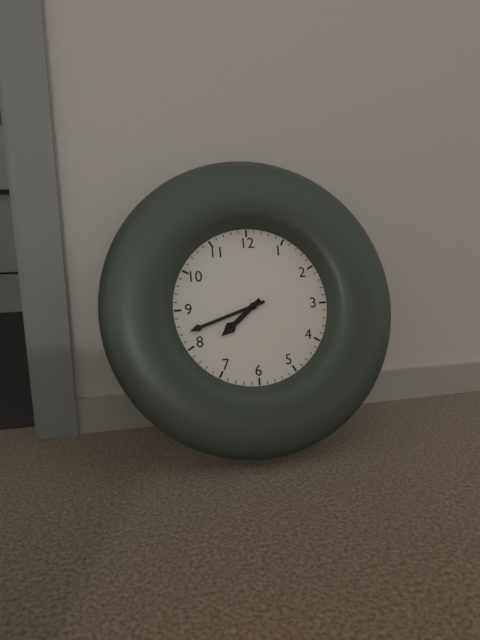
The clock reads 7,42
